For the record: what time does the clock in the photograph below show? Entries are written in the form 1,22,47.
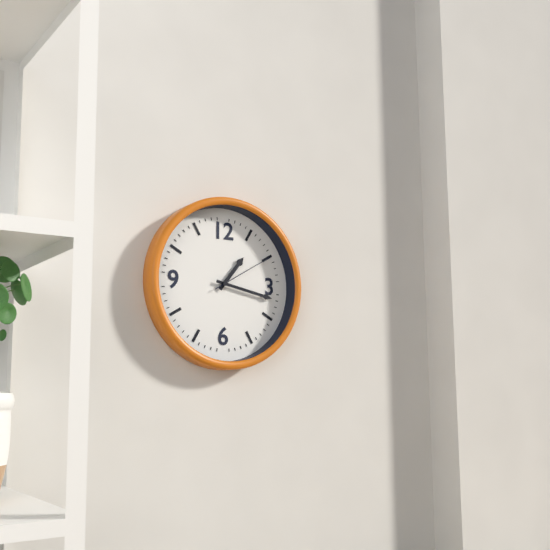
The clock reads 1,17,10
